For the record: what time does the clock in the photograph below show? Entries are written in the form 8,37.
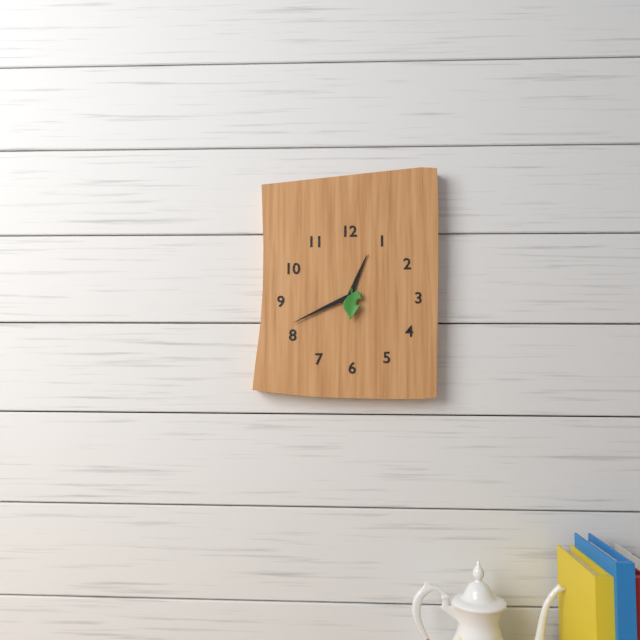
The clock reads 12,41
